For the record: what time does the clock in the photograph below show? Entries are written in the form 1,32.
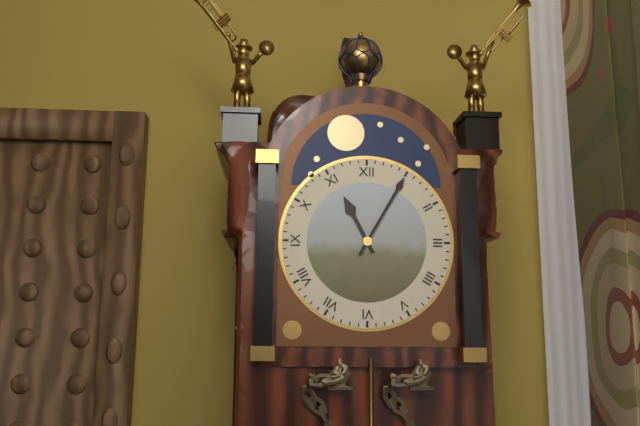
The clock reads 11,05
